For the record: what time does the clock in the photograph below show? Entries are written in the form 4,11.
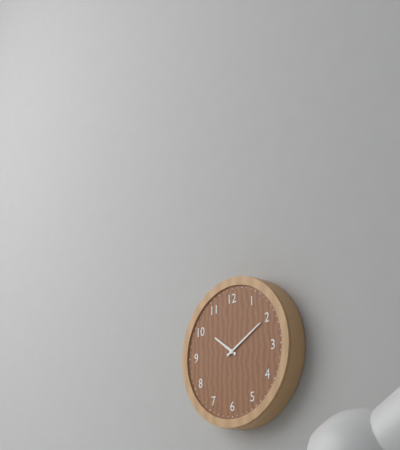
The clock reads 10,10
